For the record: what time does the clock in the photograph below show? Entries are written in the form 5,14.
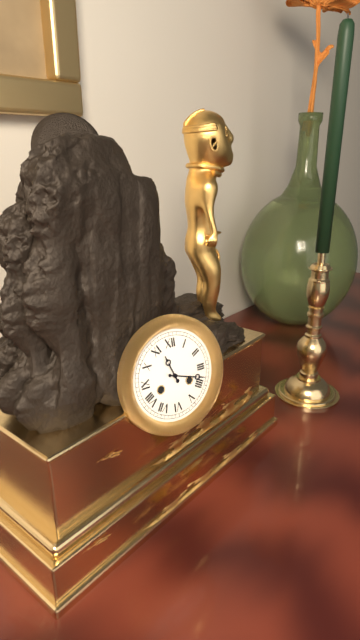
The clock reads 11,18
